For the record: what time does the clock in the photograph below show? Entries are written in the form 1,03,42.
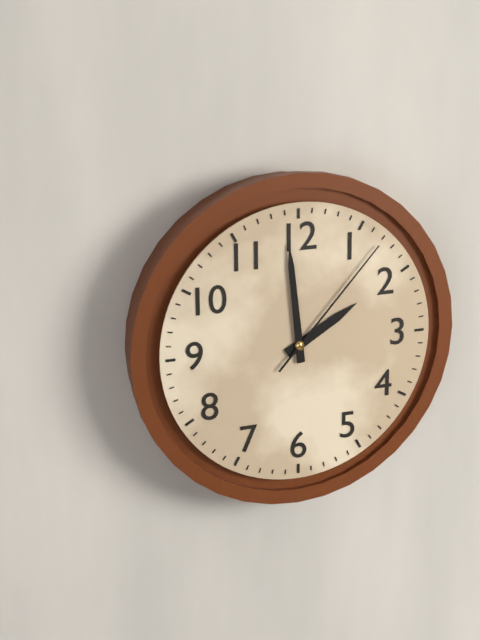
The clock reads 1,59,07
